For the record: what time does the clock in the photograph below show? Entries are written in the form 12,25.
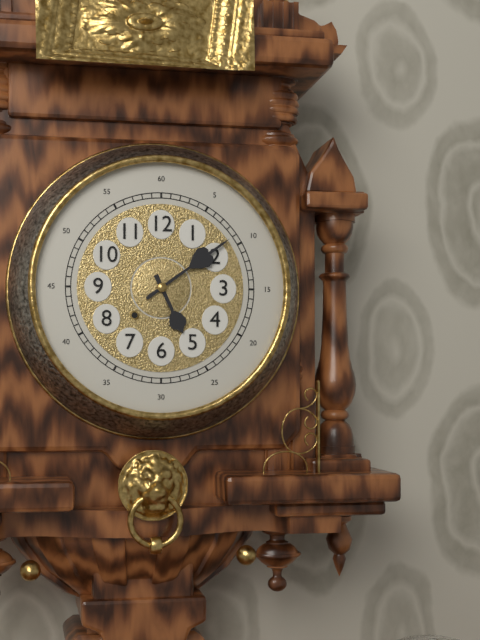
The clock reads 5,09
